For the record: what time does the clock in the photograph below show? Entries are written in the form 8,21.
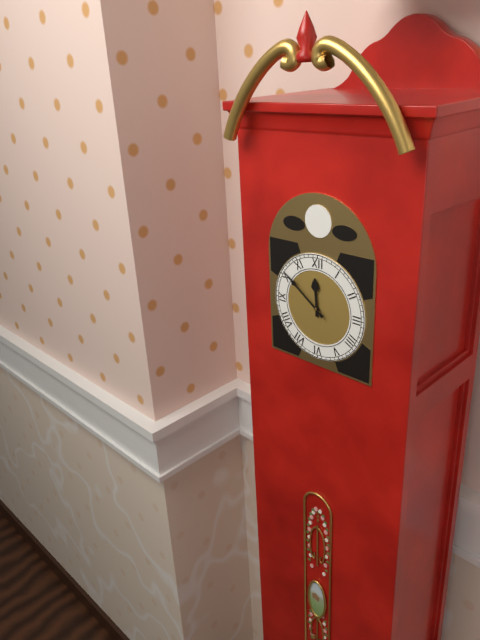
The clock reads 11,51
